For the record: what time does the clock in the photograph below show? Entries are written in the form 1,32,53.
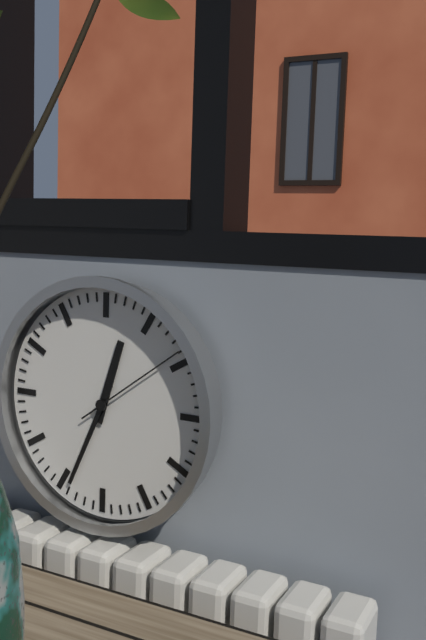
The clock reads 12,34,09
